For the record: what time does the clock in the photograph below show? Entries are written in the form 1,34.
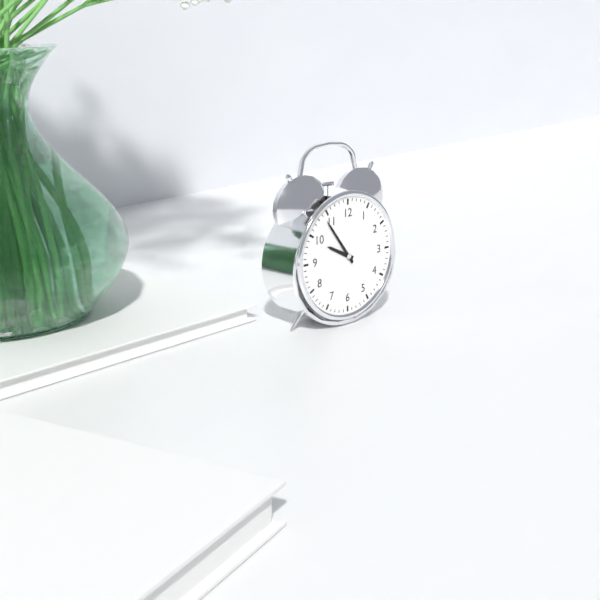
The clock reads 9,54
